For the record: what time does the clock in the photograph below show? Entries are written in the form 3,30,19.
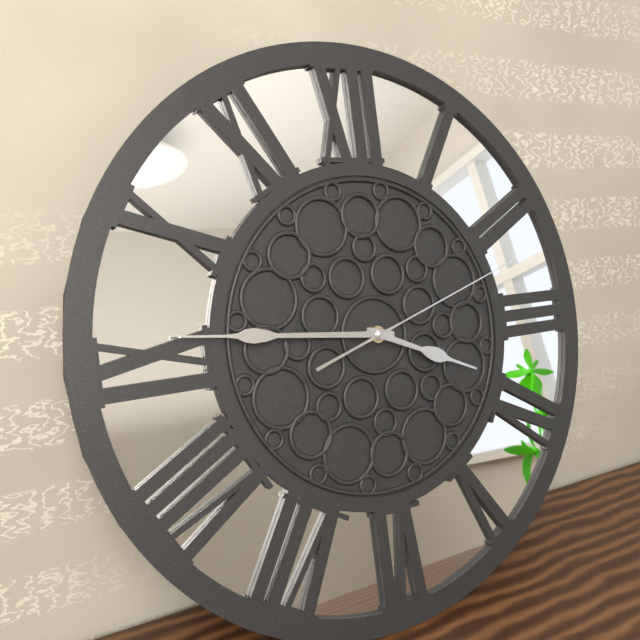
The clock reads 3,46,12
